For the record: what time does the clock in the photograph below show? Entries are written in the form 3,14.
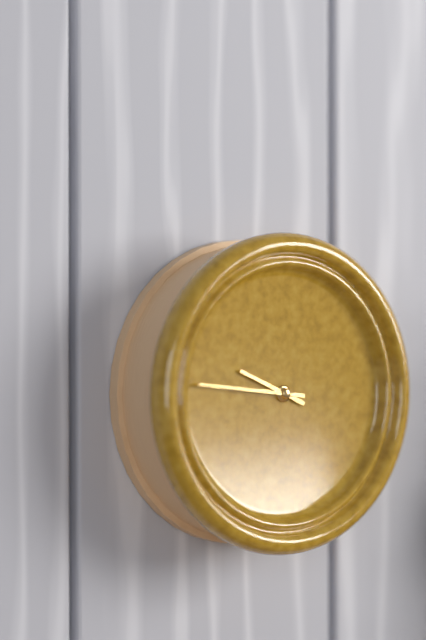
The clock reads 9,46
